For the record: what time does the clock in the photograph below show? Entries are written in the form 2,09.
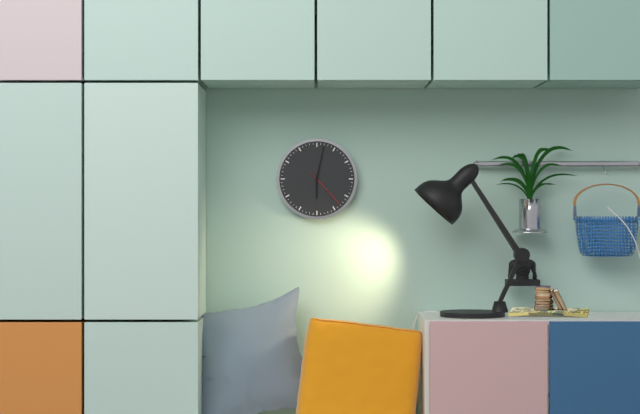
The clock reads 6,02
